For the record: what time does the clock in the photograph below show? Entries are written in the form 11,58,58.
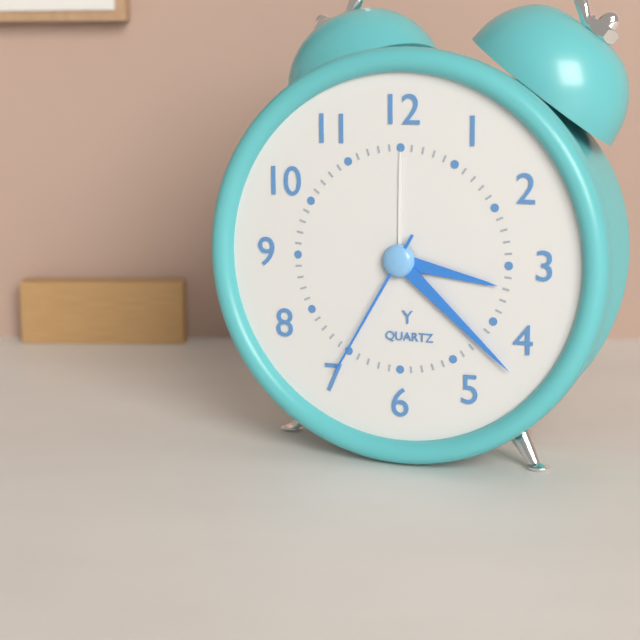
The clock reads 3,22,35
